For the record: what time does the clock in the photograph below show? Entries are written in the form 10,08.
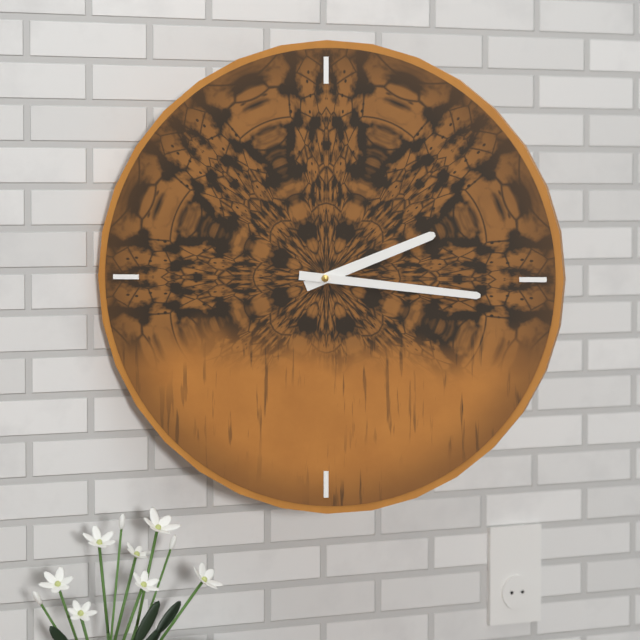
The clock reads 2,16
